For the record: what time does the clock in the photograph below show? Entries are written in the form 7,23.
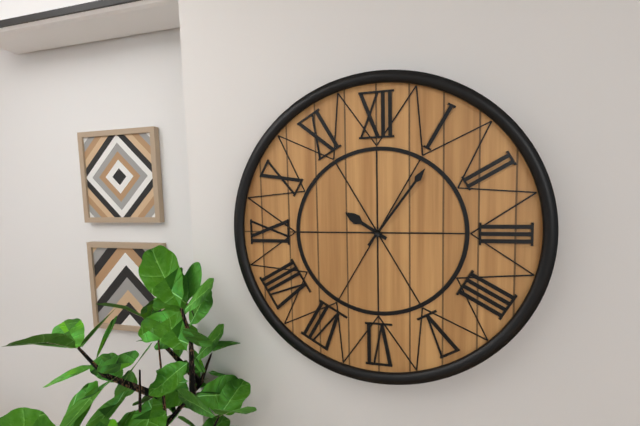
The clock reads 10,06
